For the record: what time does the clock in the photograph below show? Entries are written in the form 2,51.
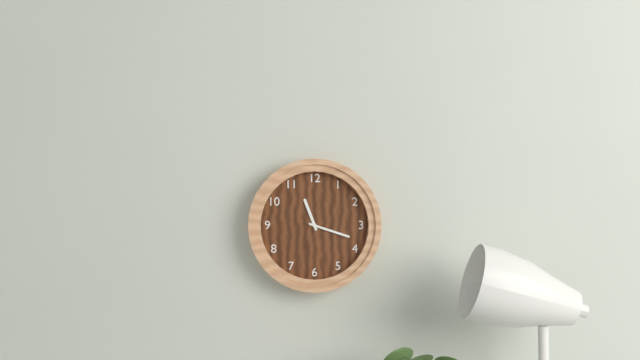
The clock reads 11,18
